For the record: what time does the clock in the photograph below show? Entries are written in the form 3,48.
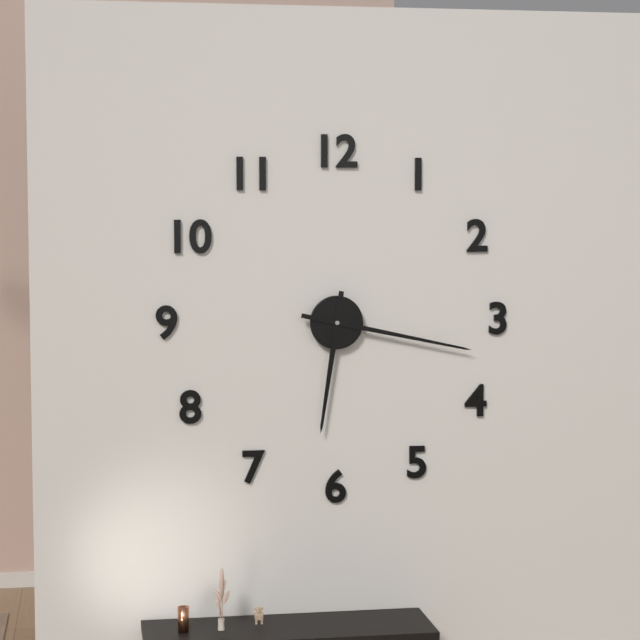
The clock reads 6,17
